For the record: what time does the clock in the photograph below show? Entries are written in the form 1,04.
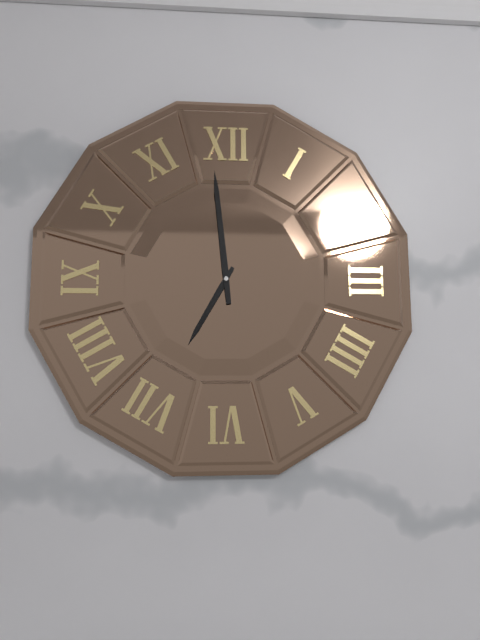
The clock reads 6,59
